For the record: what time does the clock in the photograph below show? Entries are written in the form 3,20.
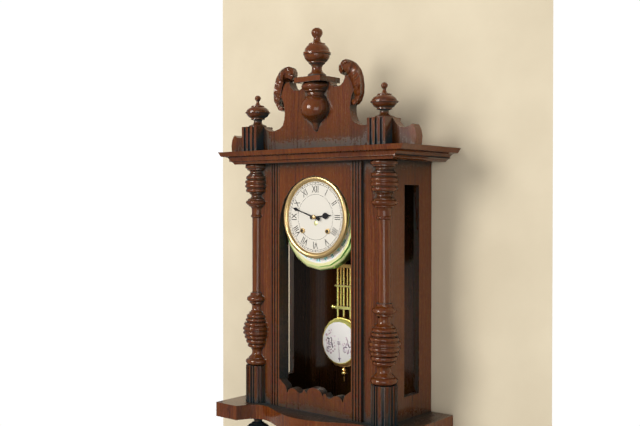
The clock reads 2,48
